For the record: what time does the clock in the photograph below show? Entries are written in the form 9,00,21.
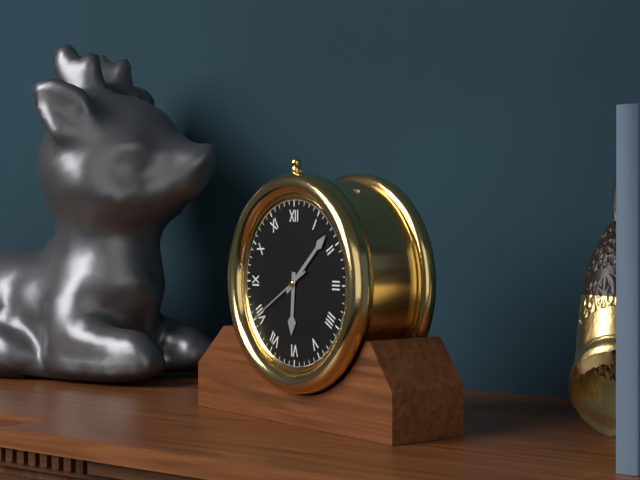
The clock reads 6,08,40
